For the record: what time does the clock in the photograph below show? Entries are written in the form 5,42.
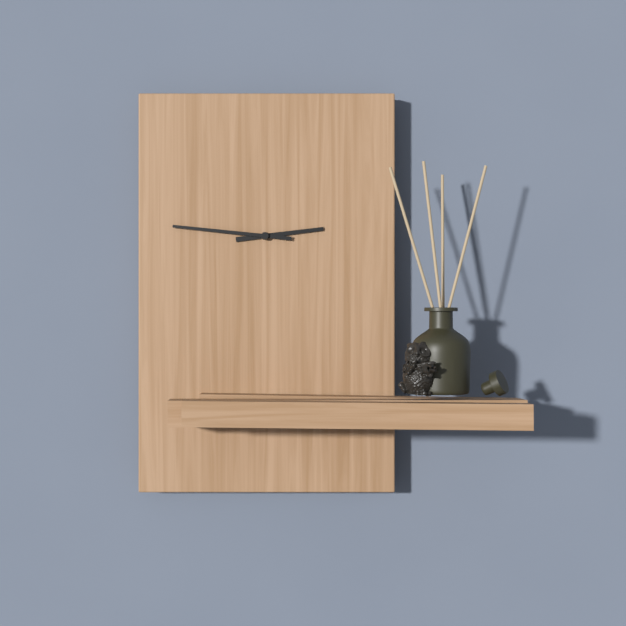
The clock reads 2,46
